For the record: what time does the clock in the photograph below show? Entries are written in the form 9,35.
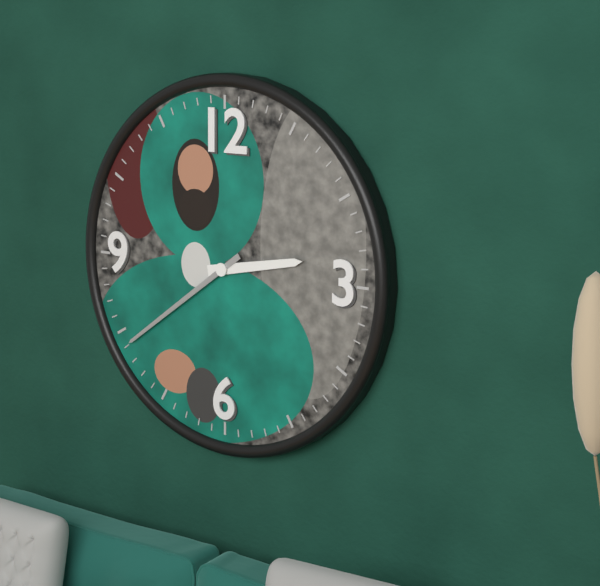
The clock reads 2,39
